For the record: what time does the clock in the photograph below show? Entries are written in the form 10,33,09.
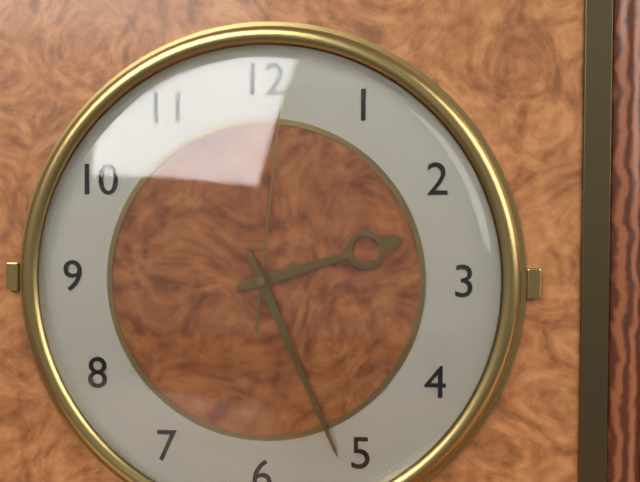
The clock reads 2,26,01
